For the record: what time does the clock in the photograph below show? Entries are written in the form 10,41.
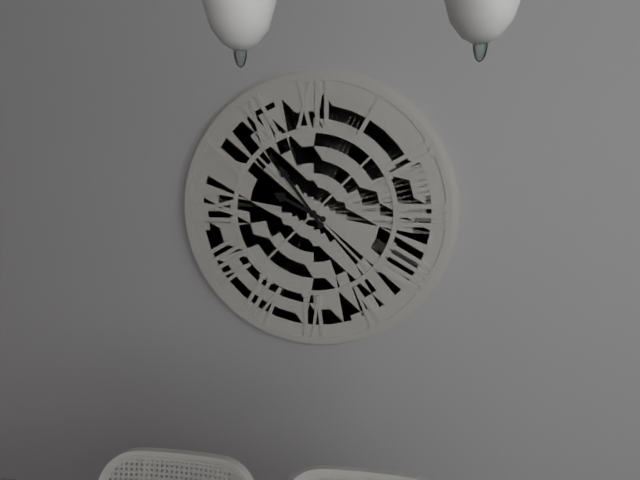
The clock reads 9,54
